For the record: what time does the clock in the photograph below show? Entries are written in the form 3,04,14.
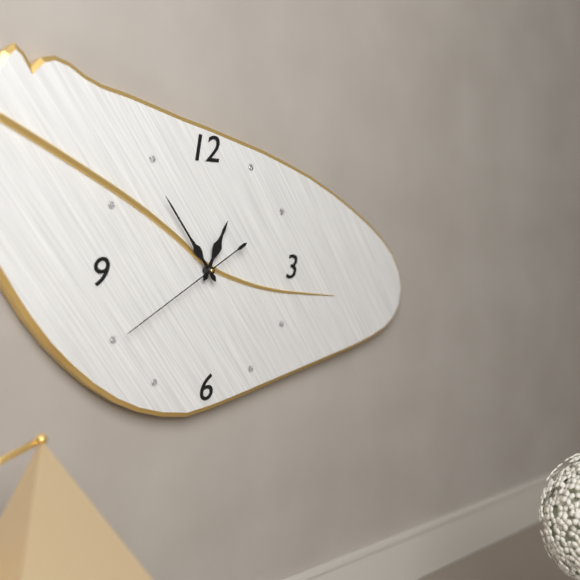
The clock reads 12,54,40
